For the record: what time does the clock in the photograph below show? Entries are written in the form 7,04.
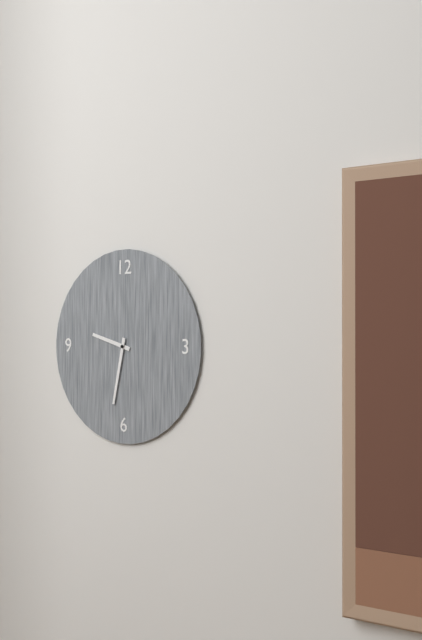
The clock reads 9,32
